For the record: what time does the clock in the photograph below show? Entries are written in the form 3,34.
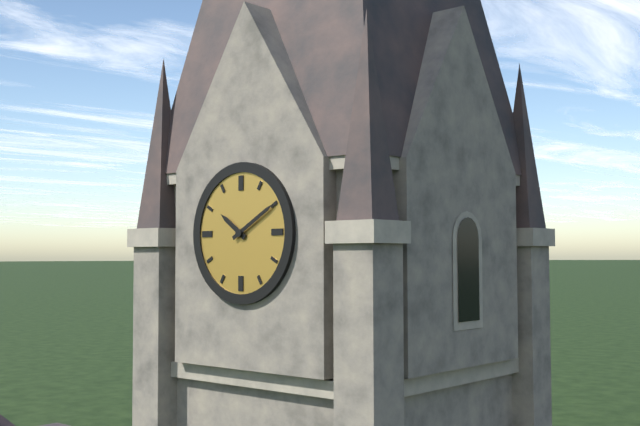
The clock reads 10,10
